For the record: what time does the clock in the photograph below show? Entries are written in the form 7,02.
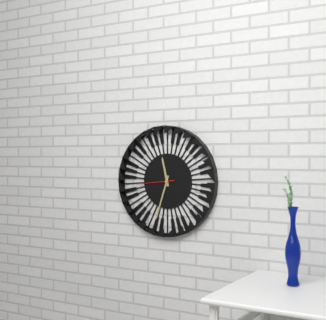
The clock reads 11,33
